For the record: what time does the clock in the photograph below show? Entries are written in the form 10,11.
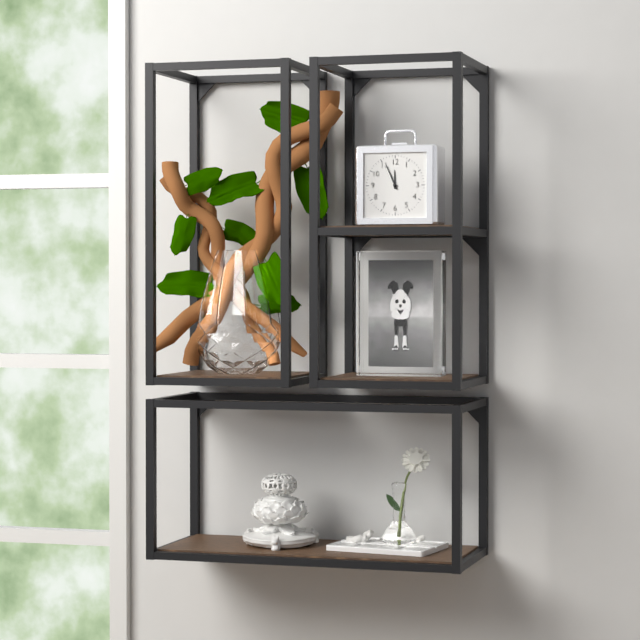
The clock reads 11,56
